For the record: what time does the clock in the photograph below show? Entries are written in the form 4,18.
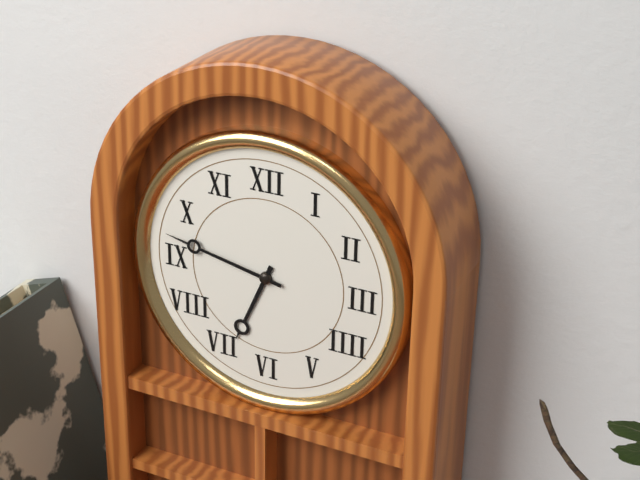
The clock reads 6,47
